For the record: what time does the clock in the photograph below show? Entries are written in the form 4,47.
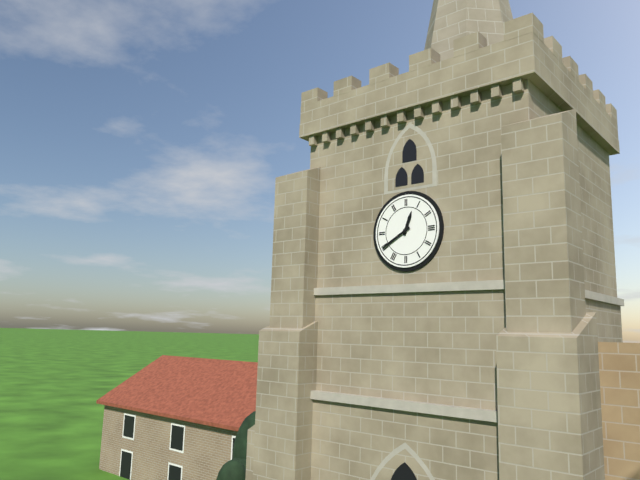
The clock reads 12,40
